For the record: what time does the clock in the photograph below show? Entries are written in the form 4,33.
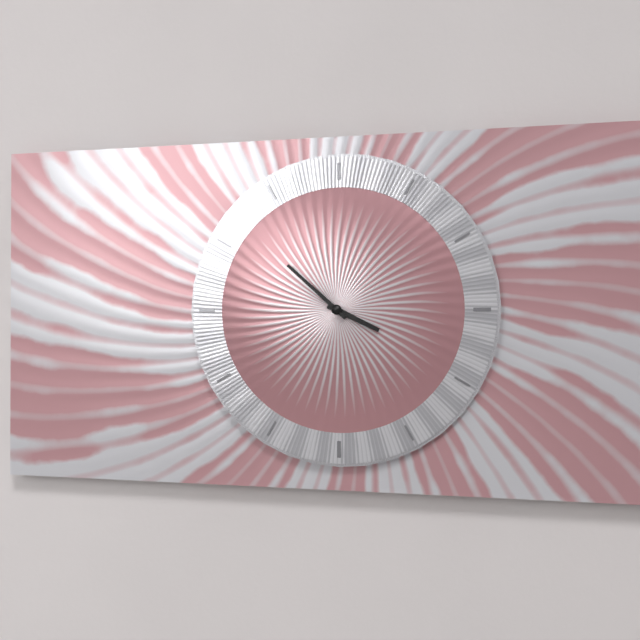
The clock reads 3,52
